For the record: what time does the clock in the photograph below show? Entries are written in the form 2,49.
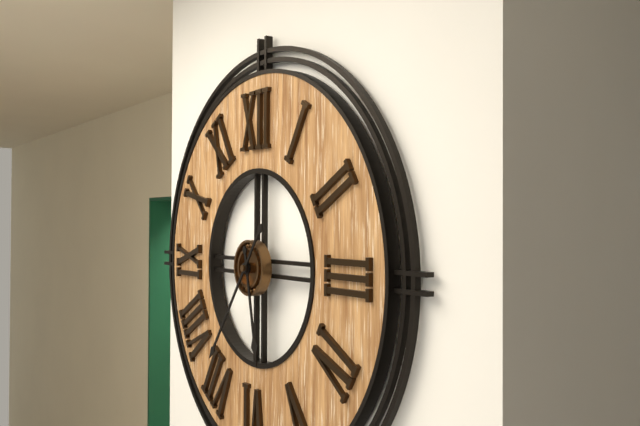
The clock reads 5,36
